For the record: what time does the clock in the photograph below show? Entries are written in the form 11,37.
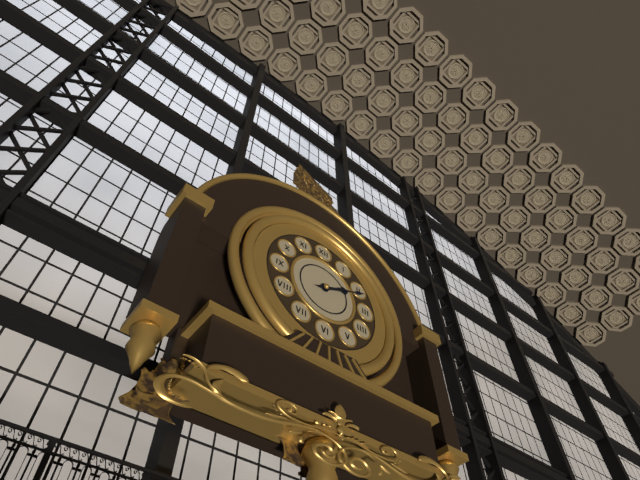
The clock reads 2,11
